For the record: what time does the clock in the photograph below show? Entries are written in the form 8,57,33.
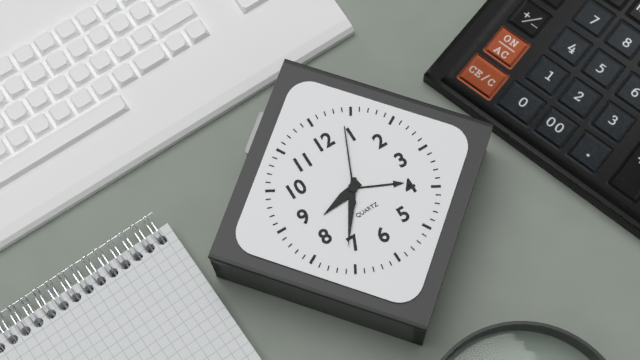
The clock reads 8,36,04
